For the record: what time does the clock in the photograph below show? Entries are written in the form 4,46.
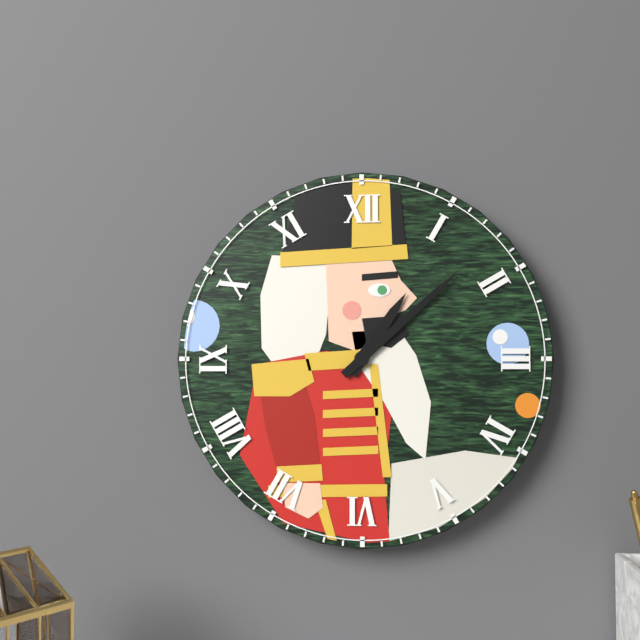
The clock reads 1,08
